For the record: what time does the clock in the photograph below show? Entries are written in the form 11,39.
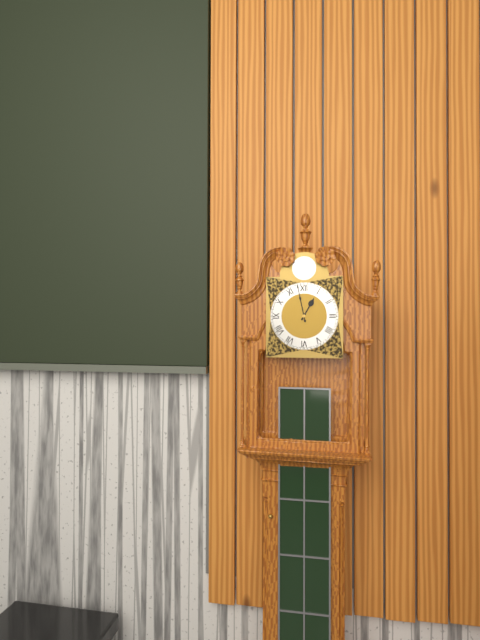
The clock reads 12,58
